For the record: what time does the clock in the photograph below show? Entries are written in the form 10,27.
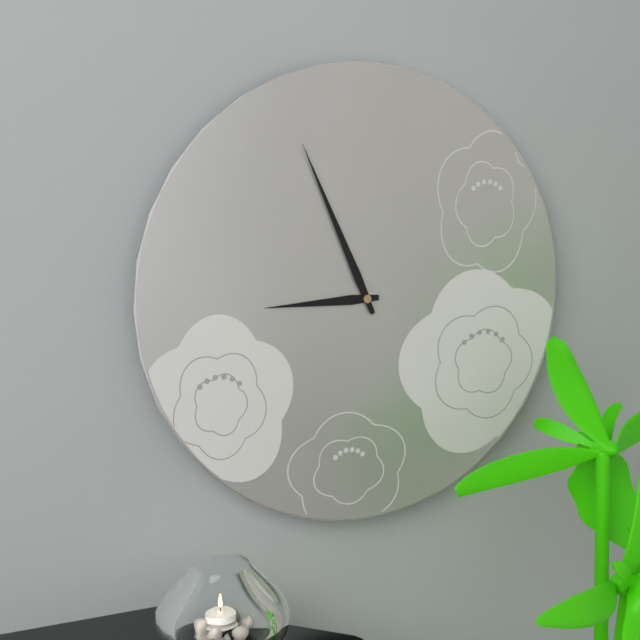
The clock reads 8,56
